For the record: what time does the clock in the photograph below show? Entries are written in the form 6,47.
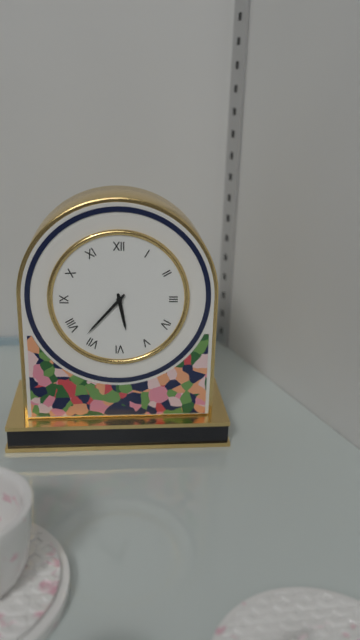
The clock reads 5,37
